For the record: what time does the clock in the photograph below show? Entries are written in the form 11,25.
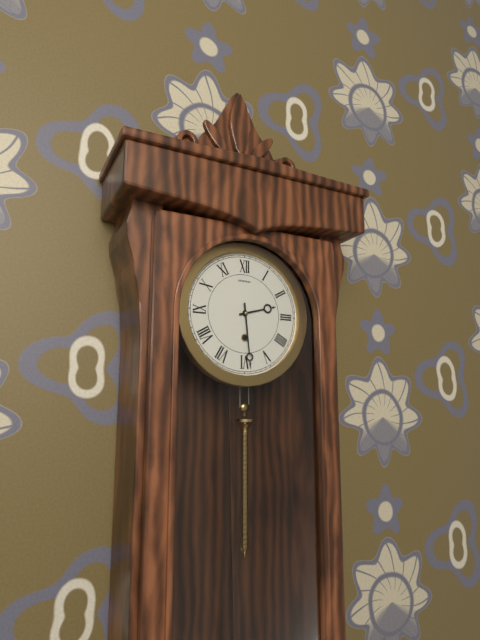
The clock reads 2,29
